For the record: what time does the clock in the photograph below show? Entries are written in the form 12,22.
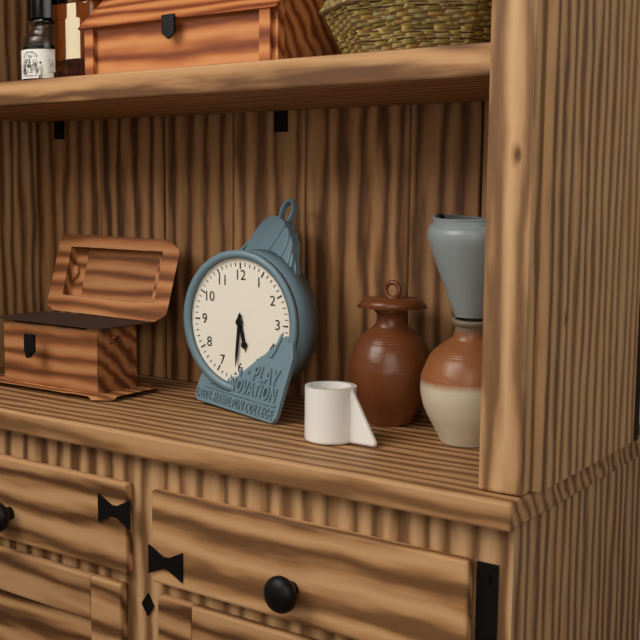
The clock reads 5,31
